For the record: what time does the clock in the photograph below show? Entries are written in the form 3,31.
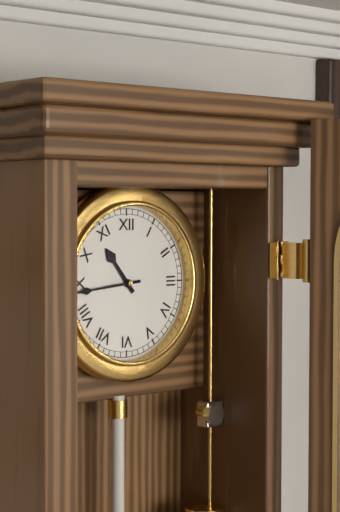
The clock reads 10,44
